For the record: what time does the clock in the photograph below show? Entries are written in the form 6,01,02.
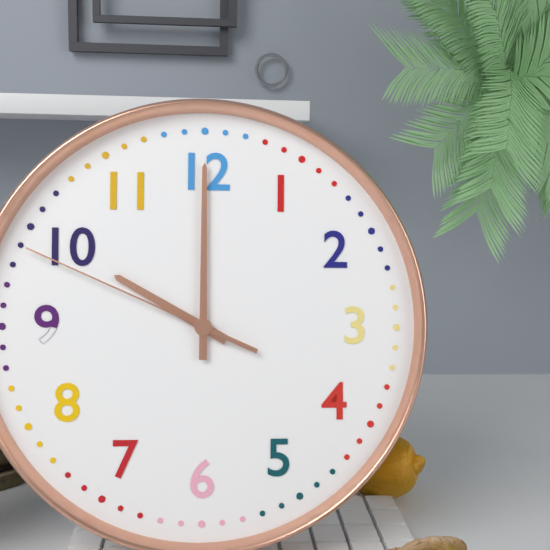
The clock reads 10,00,49
